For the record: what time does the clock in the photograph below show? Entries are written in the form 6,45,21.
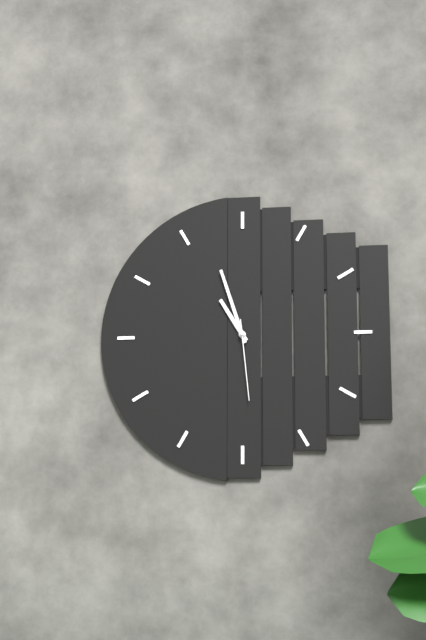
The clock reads 10,57,29
